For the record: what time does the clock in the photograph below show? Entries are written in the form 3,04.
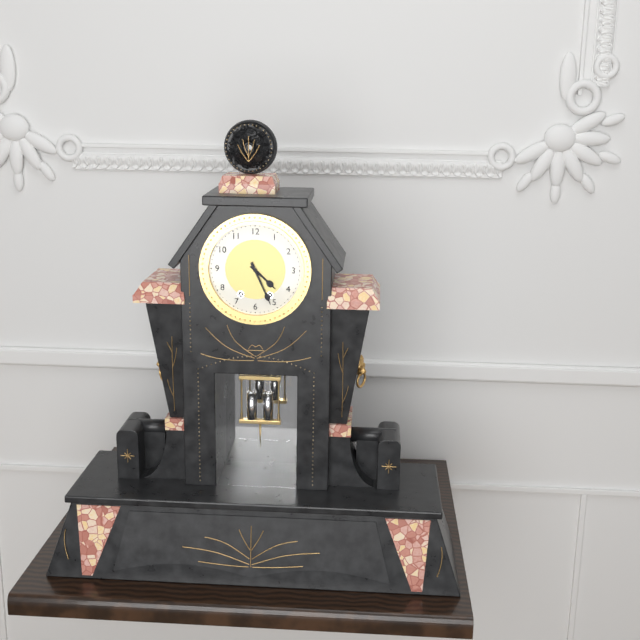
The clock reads 4,26
